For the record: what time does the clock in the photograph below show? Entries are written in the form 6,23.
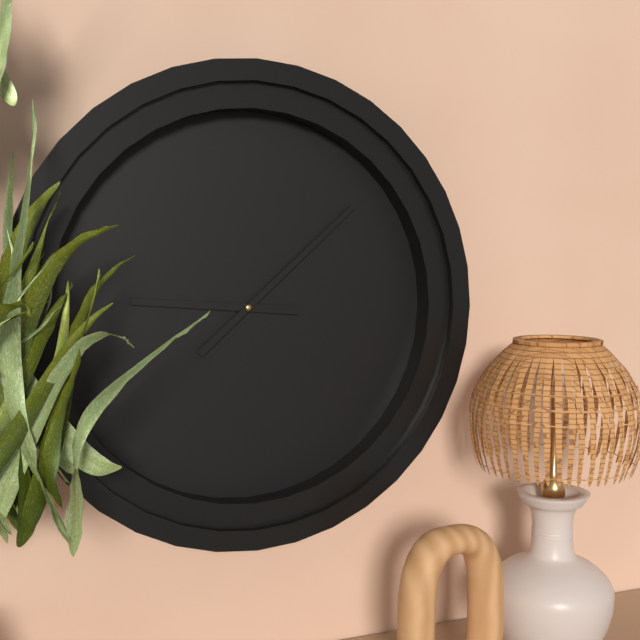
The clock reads 9,08
